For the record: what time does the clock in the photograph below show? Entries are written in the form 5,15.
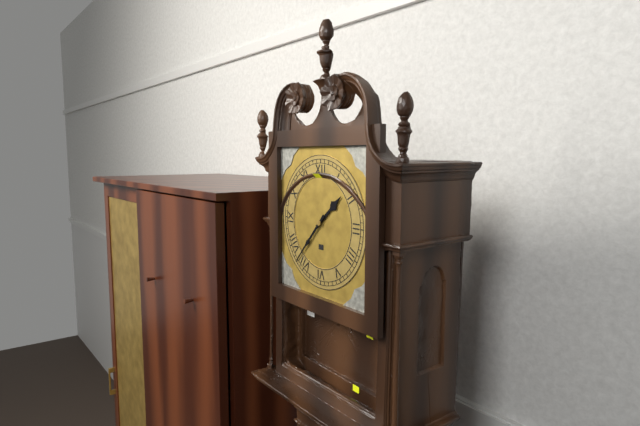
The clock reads 1,37
